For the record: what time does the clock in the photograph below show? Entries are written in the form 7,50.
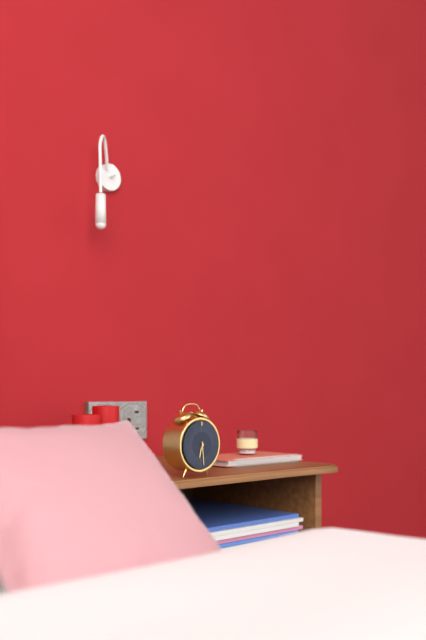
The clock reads 6,29
